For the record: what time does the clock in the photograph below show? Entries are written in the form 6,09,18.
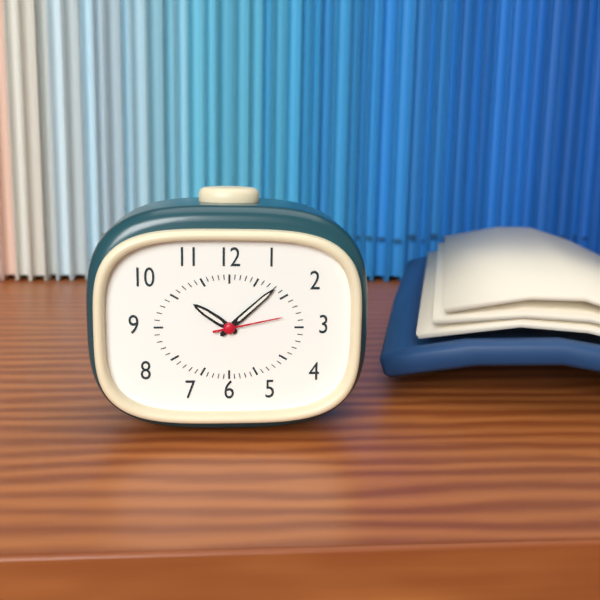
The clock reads 10,08,13
